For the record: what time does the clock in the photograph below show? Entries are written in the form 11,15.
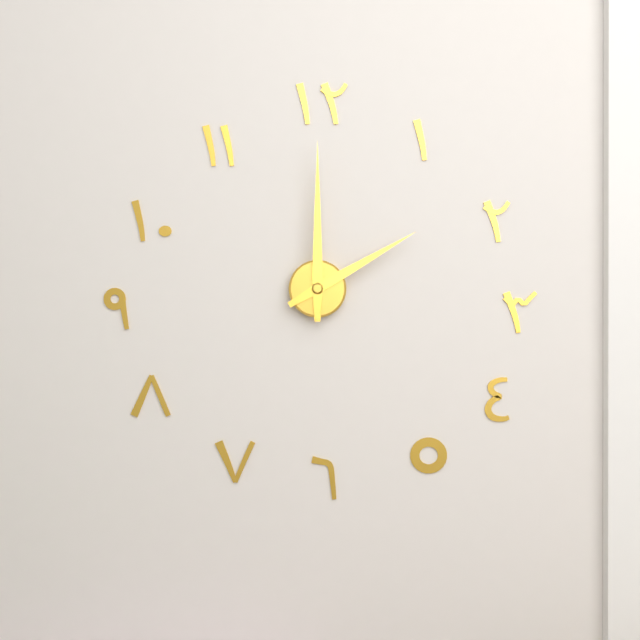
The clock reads 2,00
